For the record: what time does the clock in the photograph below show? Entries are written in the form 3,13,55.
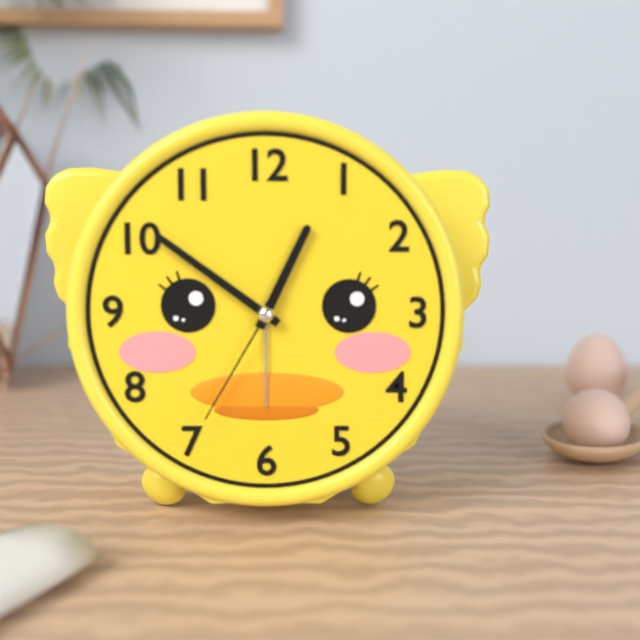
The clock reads 12,51,35
